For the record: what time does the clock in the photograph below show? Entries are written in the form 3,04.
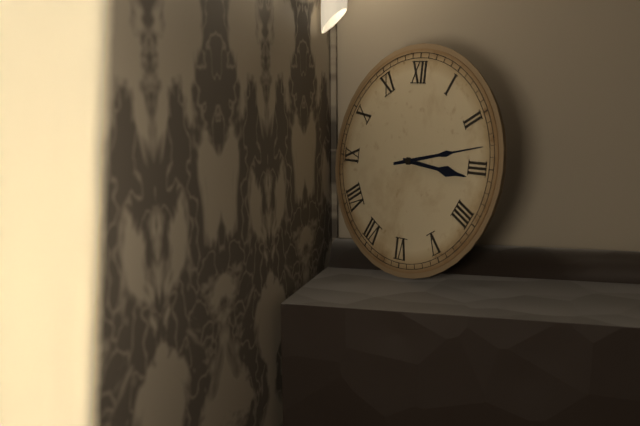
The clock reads 3,13
